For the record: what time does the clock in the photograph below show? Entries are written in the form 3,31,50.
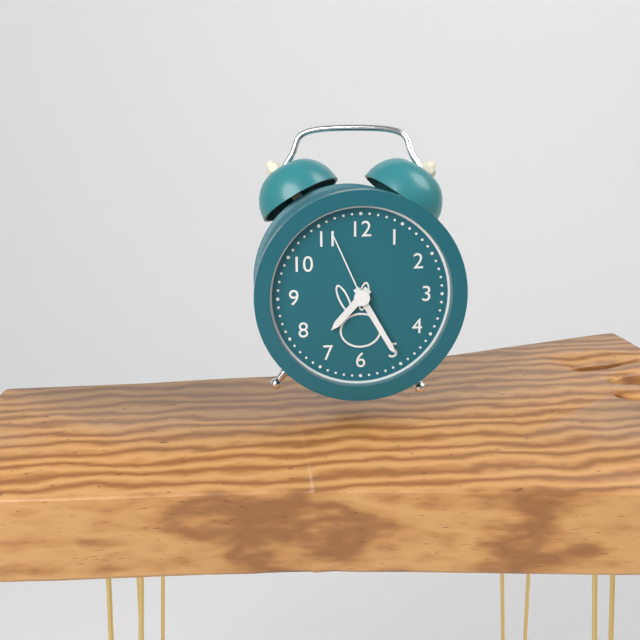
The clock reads 7,25,56
